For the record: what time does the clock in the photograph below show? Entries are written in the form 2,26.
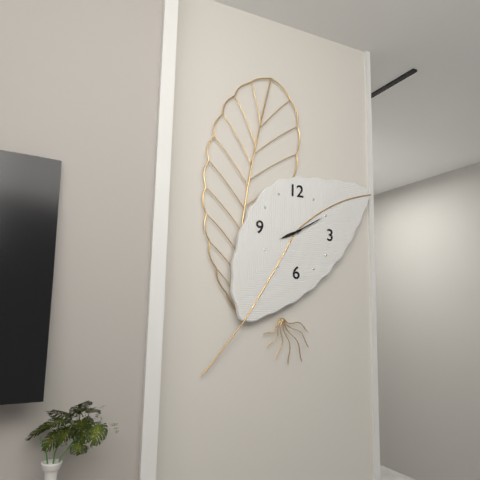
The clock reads 8,10
